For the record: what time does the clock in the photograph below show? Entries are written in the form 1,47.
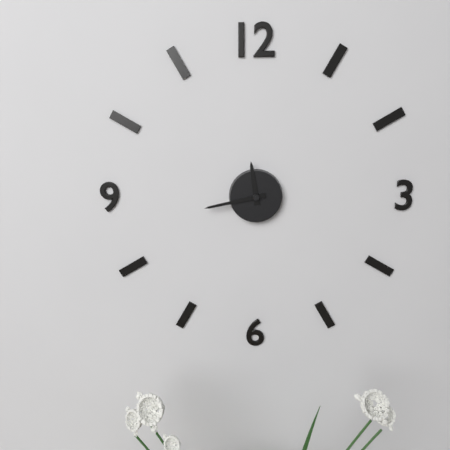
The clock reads 11,43
